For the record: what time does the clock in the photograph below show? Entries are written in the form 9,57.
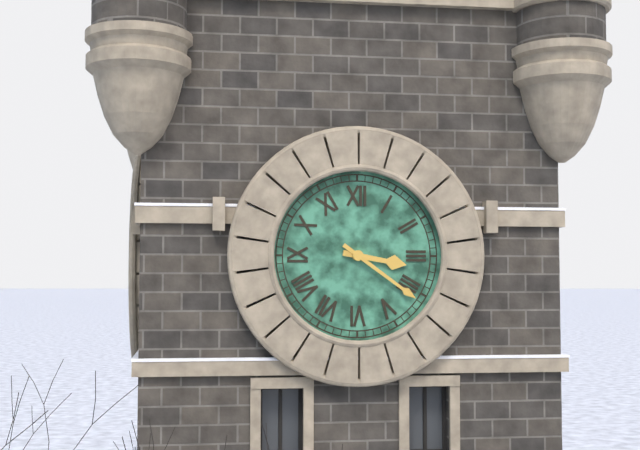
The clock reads 3,21
